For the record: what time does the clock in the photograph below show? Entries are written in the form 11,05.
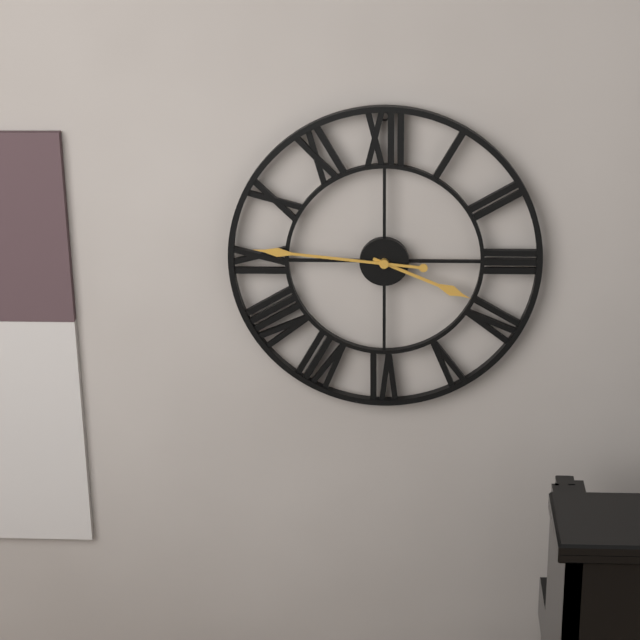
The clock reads 3,46
